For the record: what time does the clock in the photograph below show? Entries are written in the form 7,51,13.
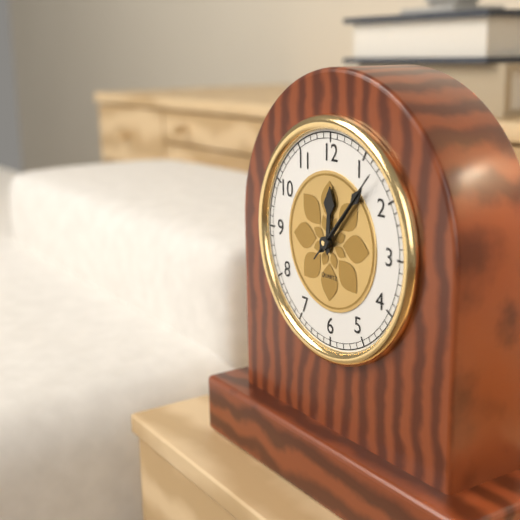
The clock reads 12,07,07
